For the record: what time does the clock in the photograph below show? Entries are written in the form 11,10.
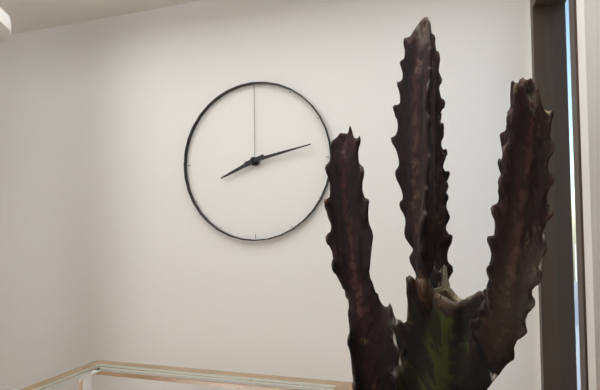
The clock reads 8,13
